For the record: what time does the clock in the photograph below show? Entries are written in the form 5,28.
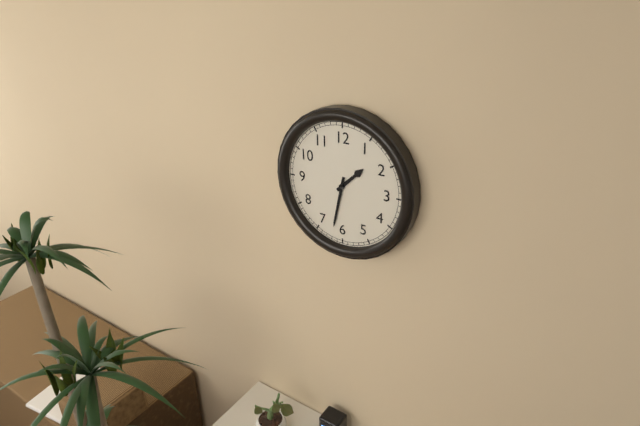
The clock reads 1,32
